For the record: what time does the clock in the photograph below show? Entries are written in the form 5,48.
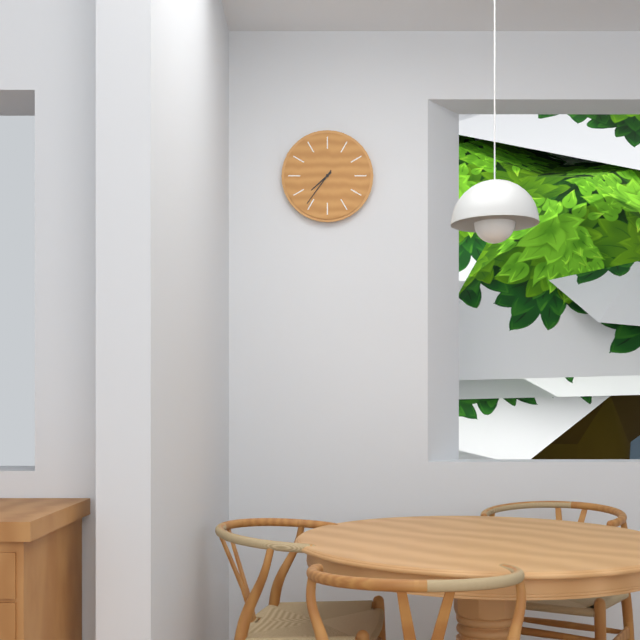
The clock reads 7,36
